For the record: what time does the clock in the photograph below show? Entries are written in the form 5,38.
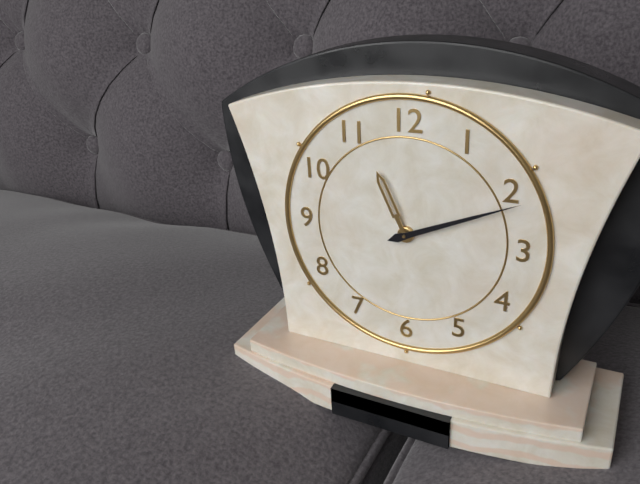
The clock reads 11,11
